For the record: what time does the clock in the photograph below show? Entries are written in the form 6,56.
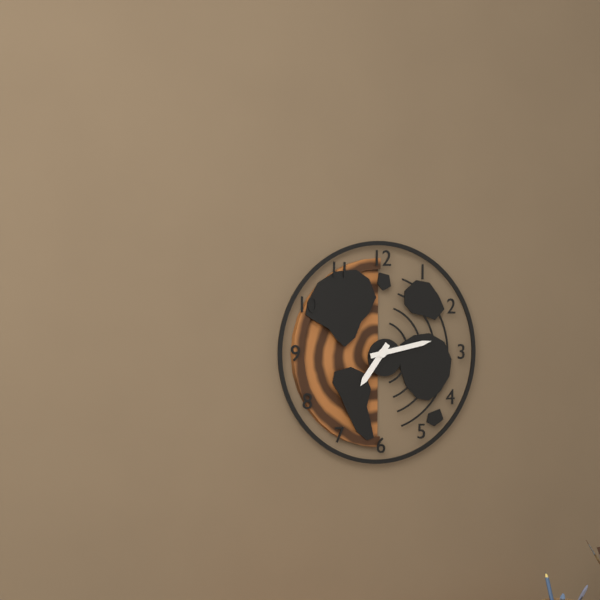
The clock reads 7,13
